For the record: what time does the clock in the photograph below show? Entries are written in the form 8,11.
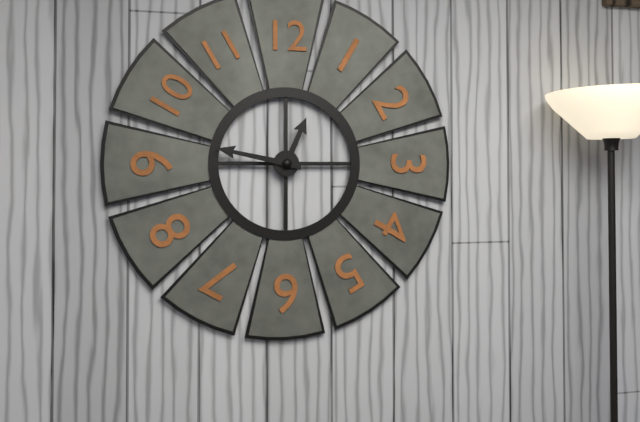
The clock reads 12,47
